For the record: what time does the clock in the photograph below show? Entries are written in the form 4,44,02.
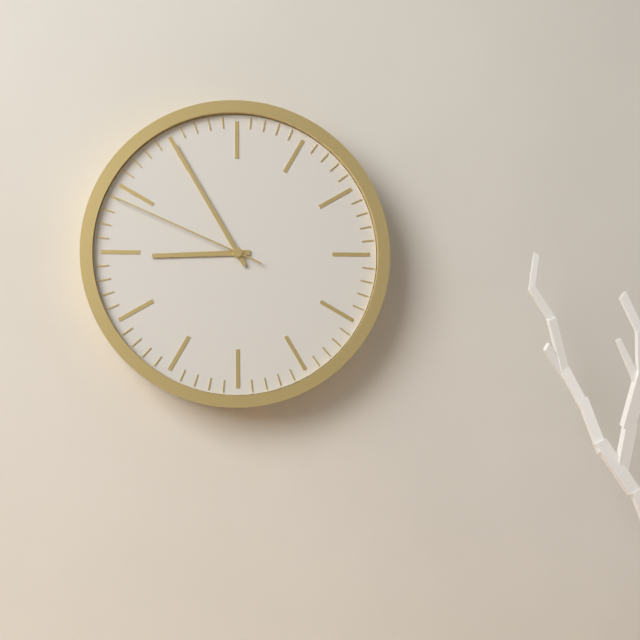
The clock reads 8,55,49
